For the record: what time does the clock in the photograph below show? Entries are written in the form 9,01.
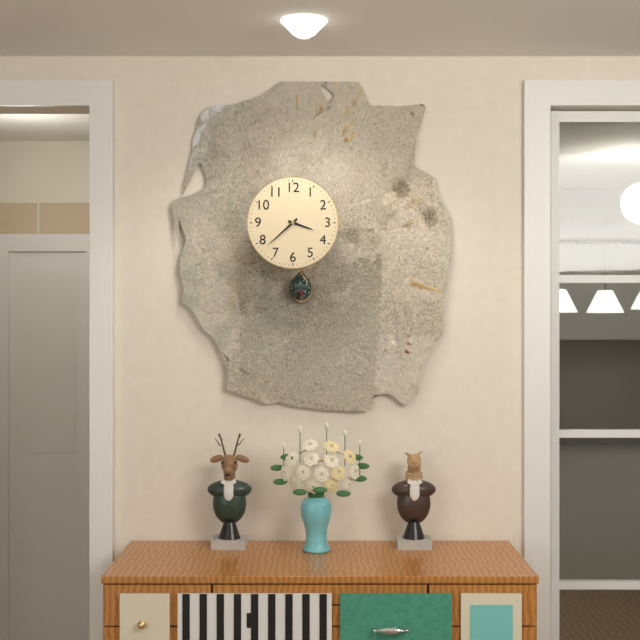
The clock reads 3,38
